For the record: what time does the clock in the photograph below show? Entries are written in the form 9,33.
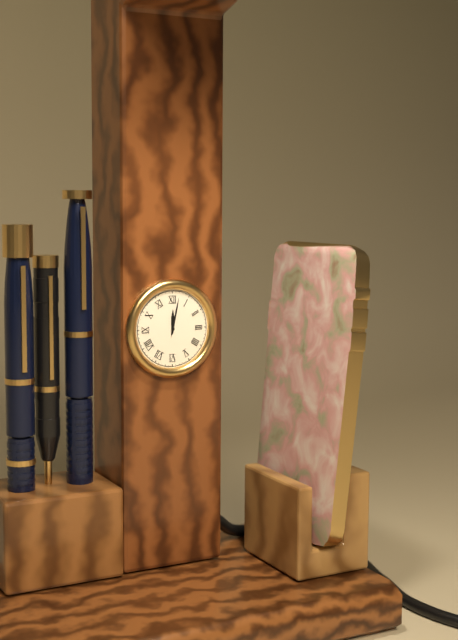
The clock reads 12,02
